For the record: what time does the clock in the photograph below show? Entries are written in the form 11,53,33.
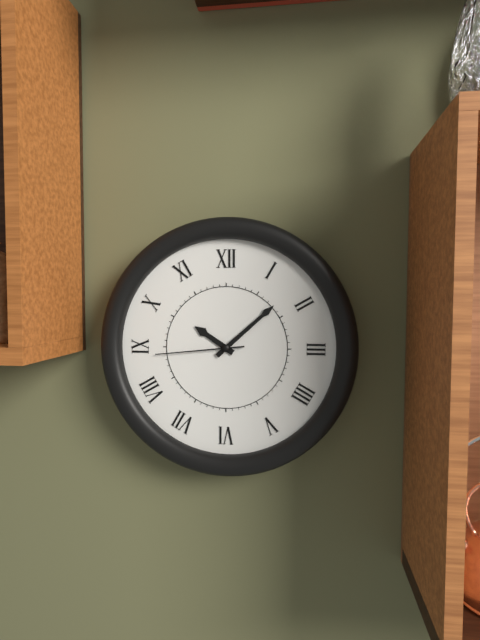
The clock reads 10,08,44
